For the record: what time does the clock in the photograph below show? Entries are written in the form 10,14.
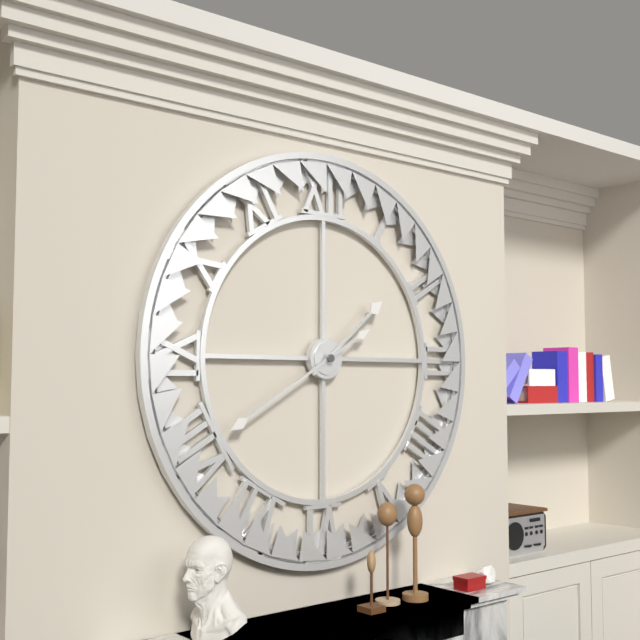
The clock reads 1,40
